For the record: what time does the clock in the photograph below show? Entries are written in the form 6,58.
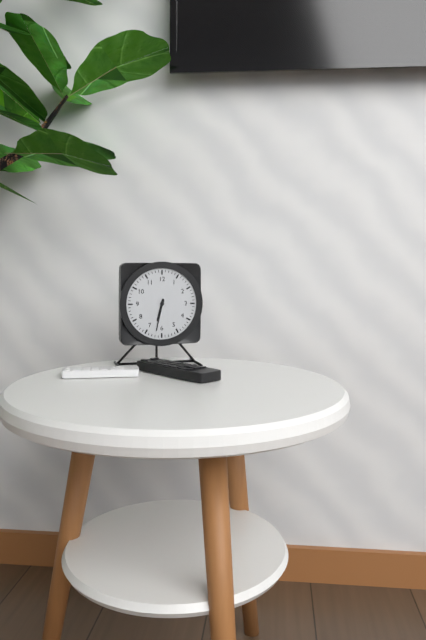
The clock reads 6,32
